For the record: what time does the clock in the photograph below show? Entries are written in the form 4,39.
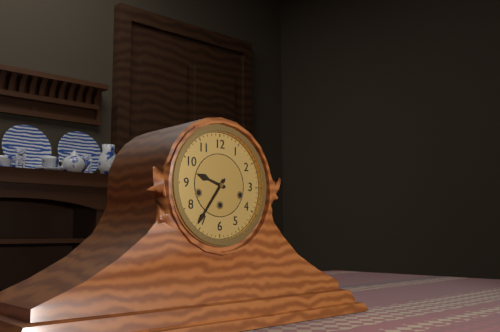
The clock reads 9,36
